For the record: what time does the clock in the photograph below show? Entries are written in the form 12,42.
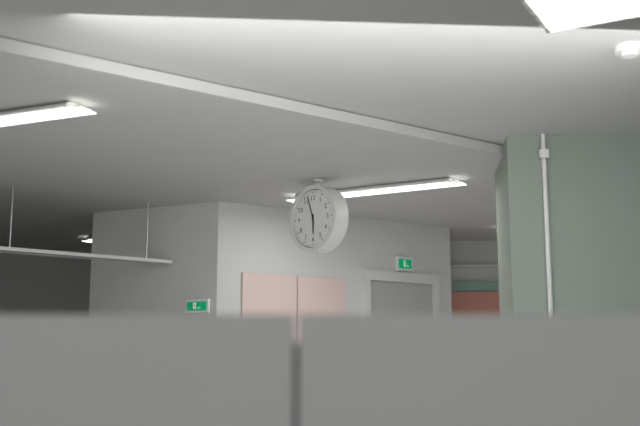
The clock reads 5,57
